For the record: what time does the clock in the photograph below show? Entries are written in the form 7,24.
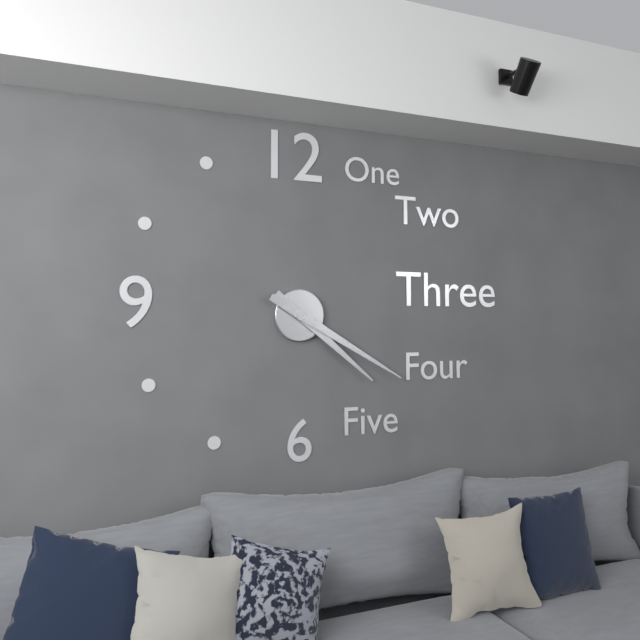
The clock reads 4,20
